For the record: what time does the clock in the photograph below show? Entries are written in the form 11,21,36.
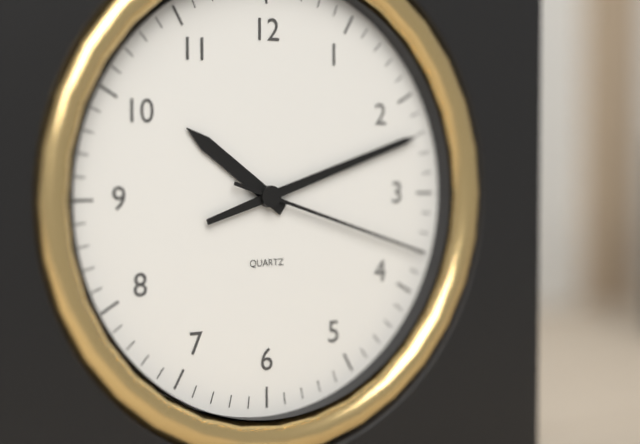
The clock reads 10,12,18
